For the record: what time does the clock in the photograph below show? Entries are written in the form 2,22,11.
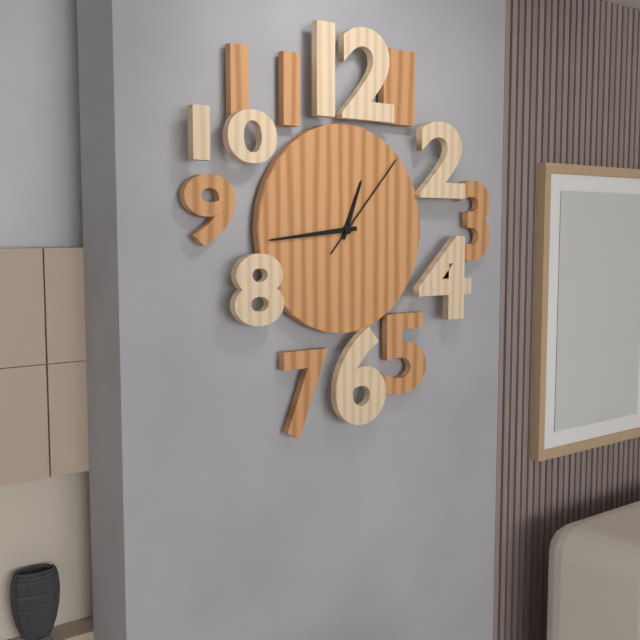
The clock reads 12,44,07
